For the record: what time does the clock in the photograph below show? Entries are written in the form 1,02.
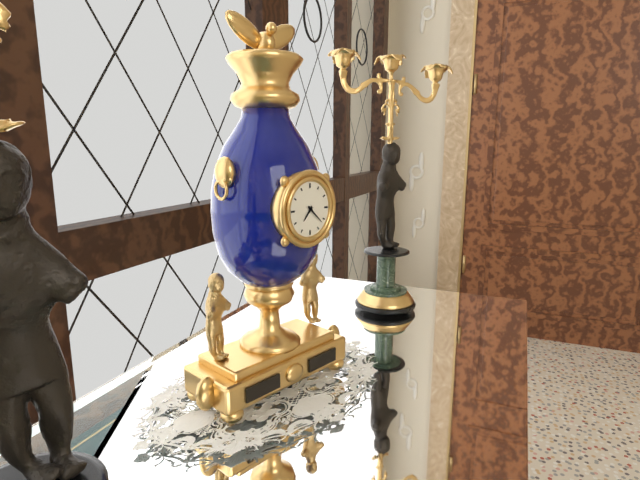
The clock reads 7,22
